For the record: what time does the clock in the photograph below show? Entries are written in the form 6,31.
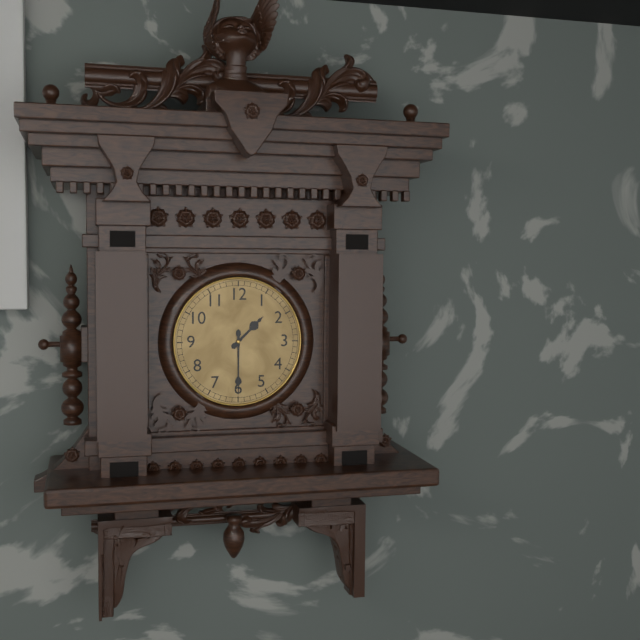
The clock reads 1,30
